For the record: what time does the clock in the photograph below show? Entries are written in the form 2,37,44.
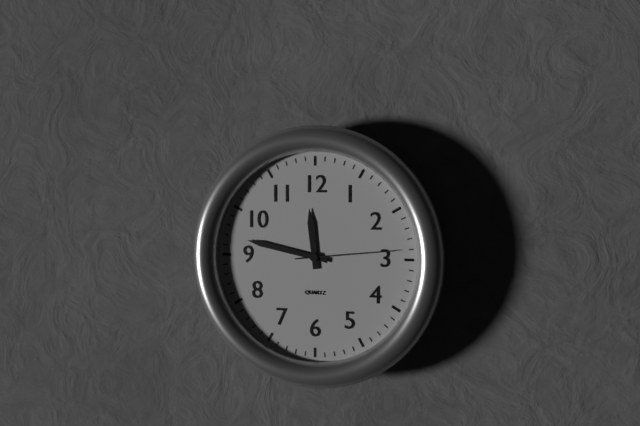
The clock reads 11,47,14
